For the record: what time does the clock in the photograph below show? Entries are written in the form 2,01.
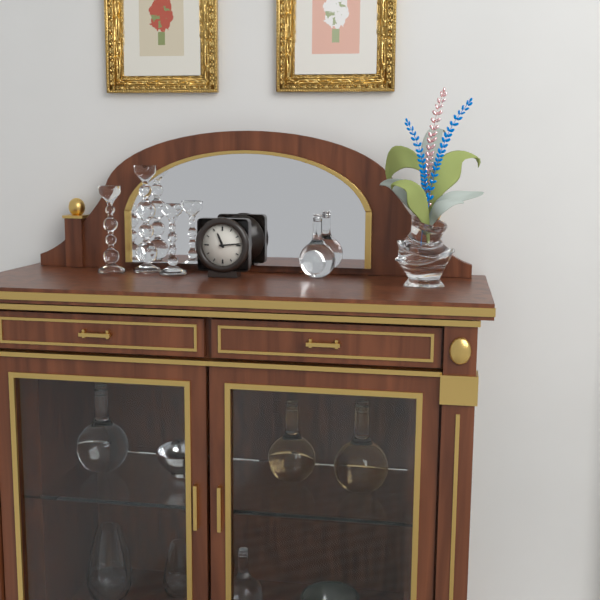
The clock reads 11,14
